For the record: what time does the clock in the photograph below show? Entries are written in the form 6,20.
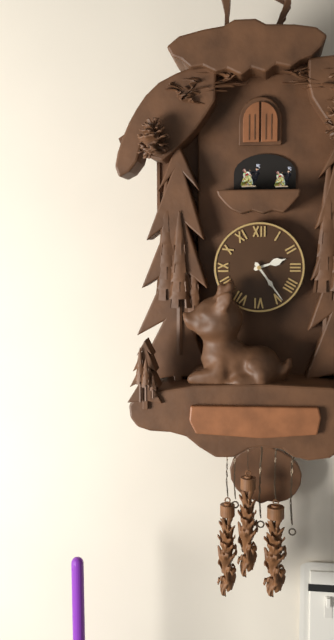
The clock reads 2,24
